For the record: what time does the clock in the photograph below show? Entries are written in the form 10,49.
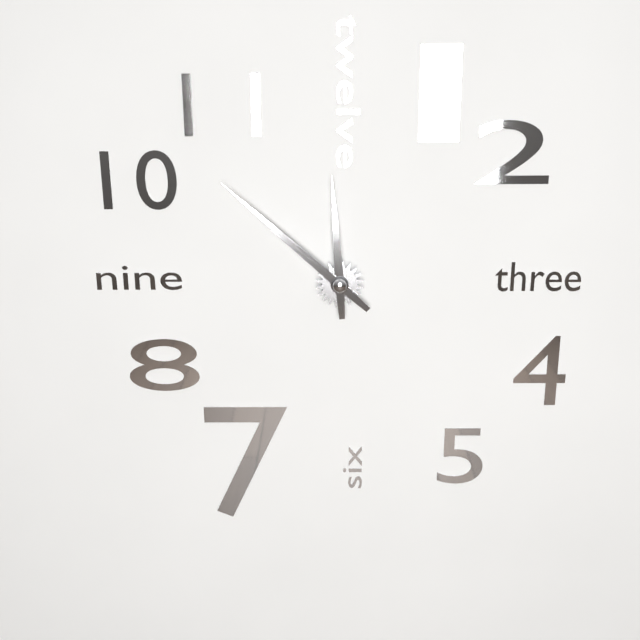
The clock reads 11,52
